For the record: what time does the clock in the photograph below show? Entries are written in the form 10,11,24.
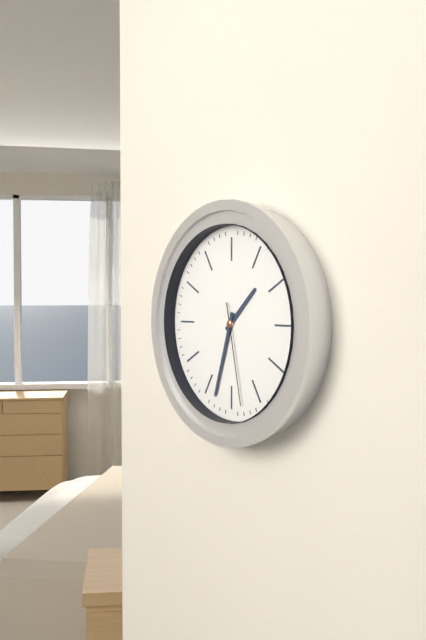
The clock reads 1,33,28
